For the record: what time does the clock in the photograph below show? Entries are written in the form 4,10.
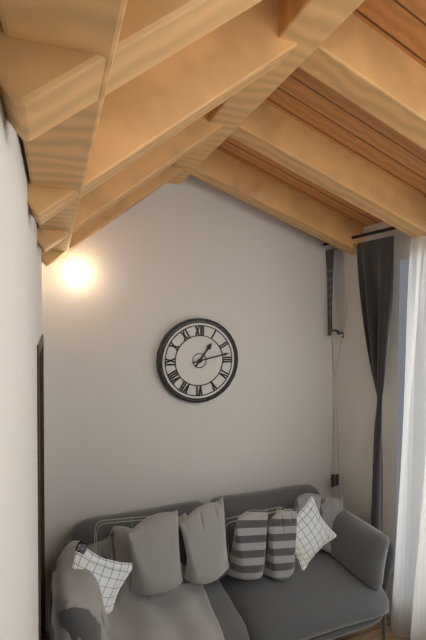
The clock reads 1,13
